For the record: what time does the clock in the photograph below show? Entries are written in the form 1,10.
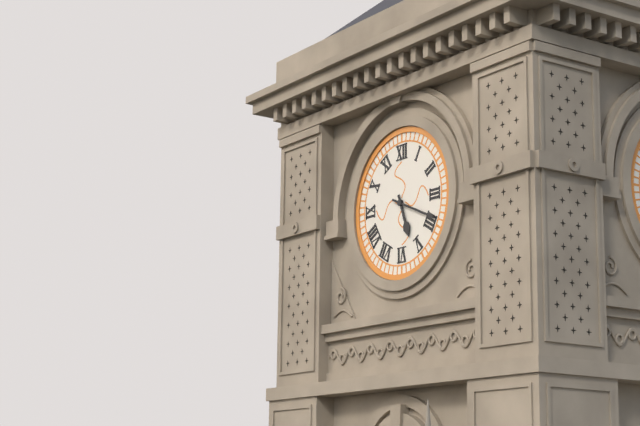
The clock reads 5,19
